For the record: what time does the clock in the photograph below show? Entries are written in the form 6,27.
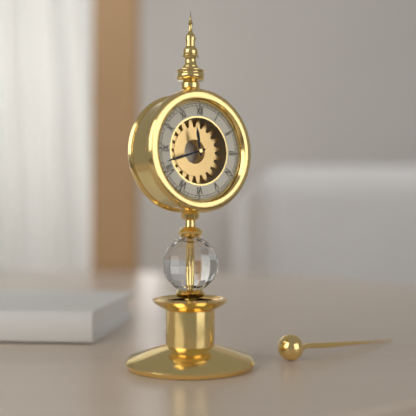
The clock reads 11,42
